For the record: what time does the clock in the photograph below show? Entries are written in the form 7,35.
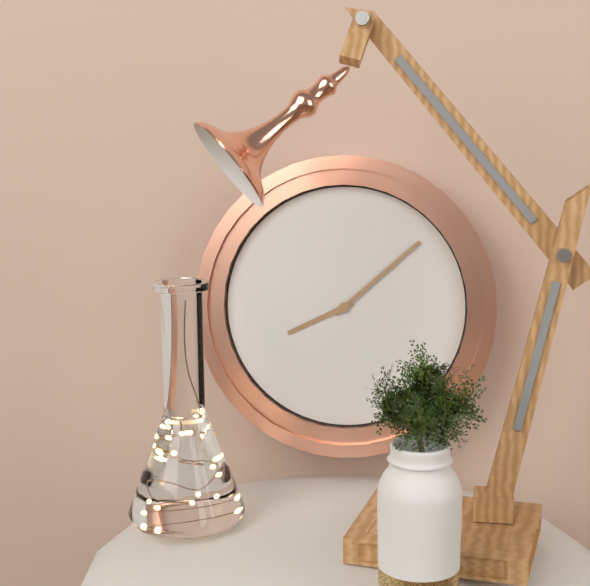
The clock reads 8,08
